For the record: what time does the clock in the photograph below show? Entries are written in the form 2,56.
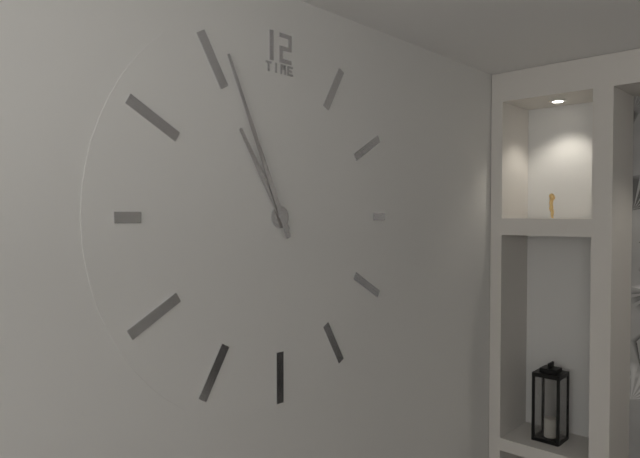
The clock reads 10,56
